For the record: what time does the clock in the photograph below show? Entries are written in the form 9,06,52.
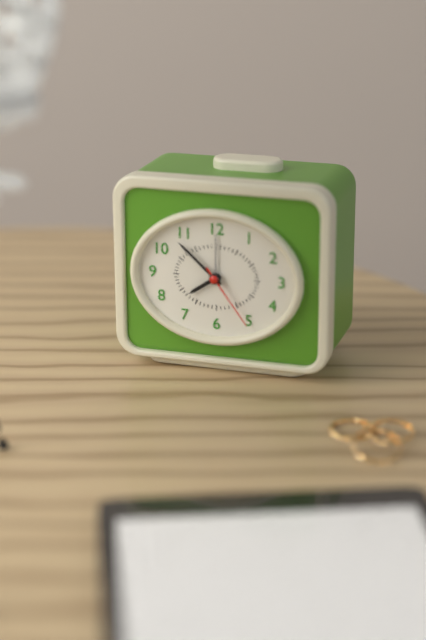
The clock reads 7,52,24
